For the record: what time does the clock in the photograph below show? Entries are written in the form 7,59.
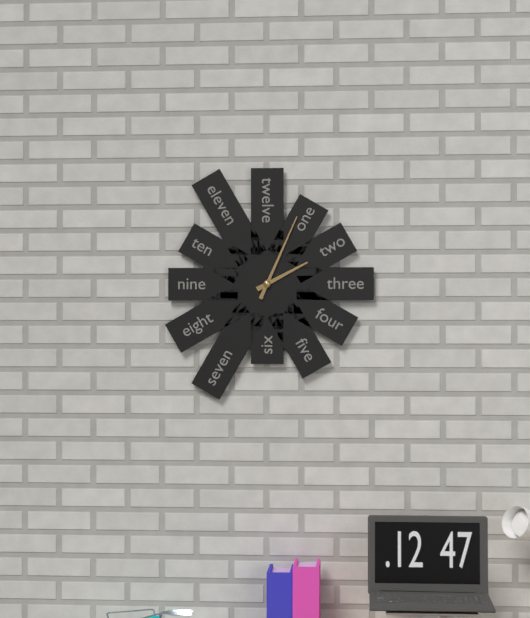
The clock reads 2,04
